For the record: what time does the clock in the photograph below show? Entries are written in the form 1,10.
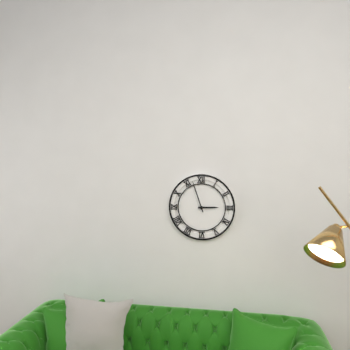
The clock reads 2,57
